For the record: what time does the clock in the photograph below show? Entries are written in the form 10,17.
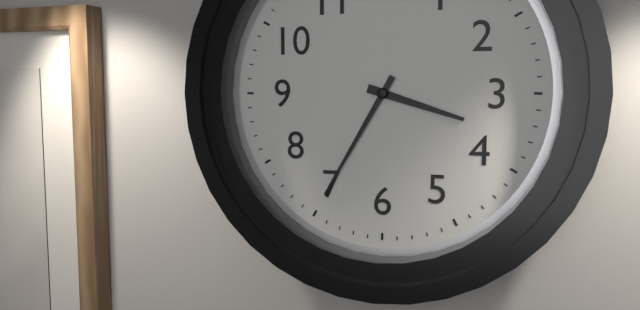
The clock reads 3,35
